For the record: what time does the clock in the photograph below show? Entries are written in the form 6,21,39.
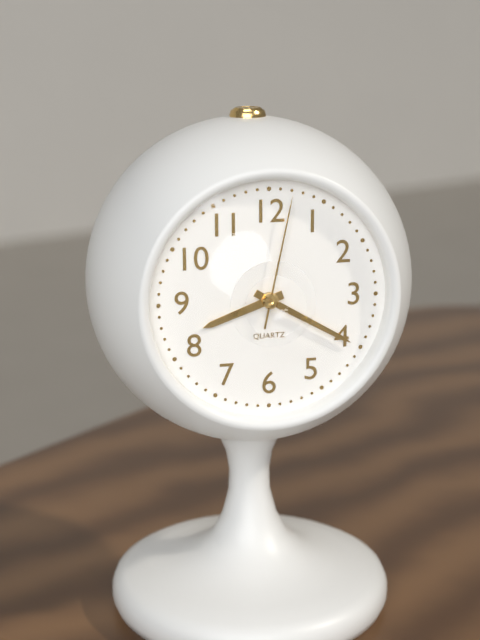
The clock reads 8,20,02
